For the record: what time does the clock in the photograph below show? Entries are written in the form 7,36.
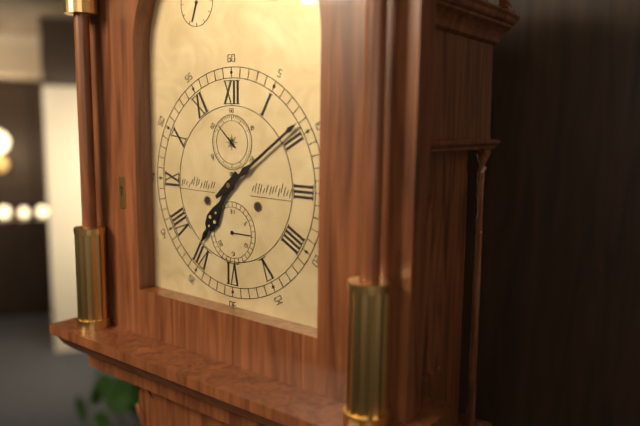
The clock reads 7,09
